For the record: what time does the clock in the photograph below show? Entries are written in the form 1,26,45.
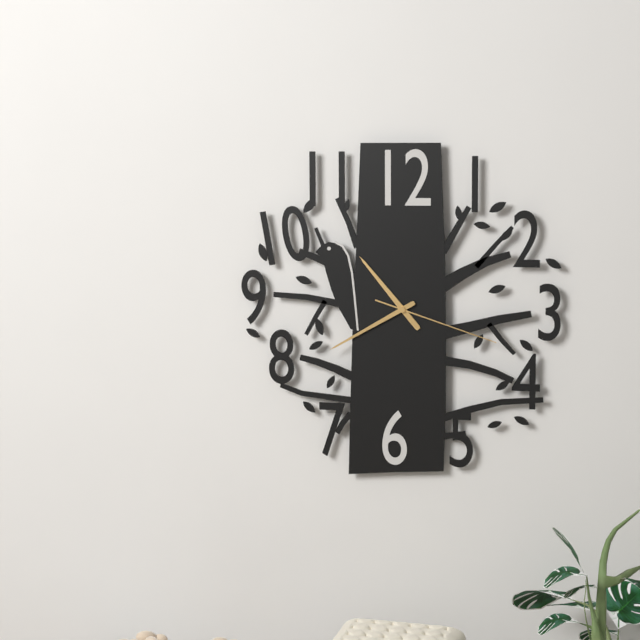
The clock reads 10,40,18
